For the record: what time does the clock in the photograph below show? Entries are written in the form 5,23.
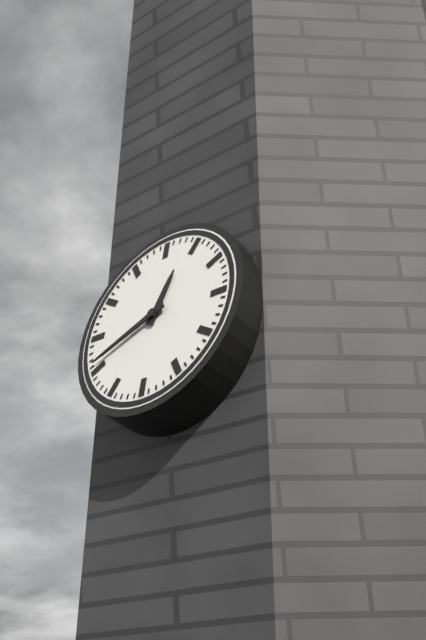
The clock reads 12,41
